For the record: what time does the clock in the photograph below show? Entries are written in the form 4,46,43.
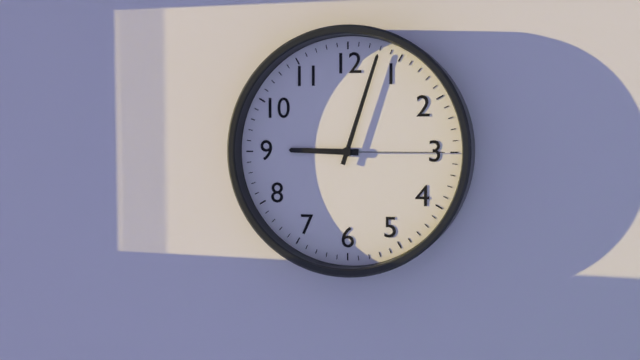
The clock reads 9,03,15
